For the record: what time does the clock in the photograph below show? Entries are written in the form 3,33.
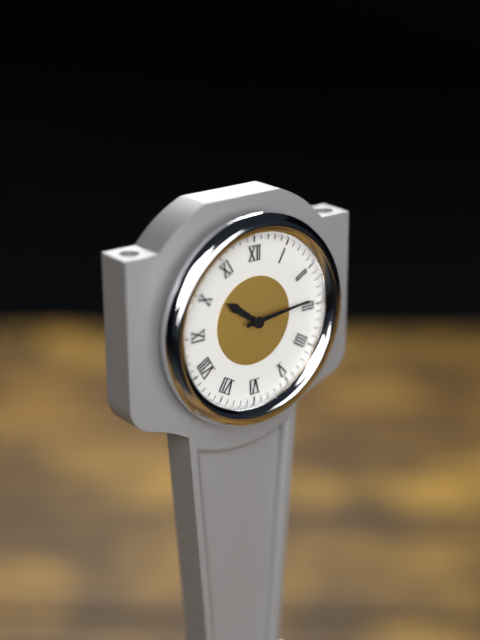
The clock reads 10,14
